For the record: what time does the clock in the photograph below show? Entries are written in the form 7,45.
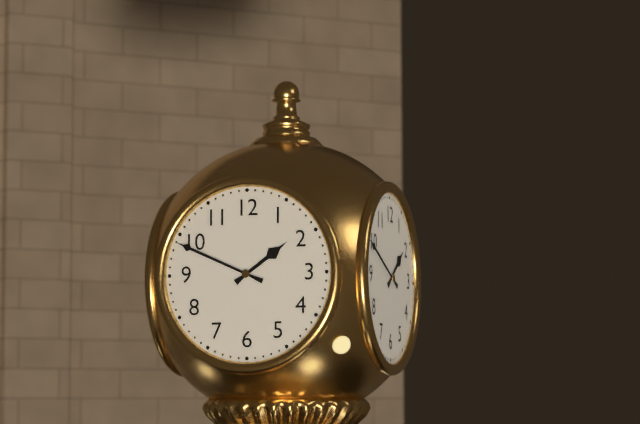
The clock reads 1,49
